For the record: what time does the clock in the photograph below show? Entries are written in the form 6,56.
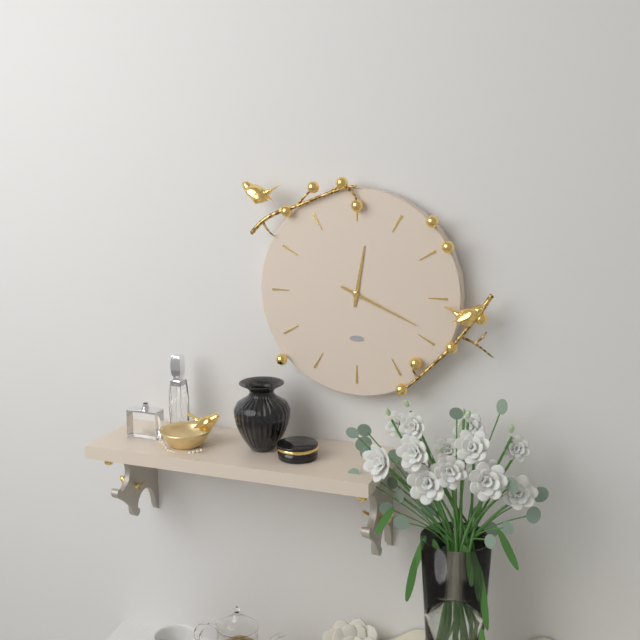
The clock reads 12,19
